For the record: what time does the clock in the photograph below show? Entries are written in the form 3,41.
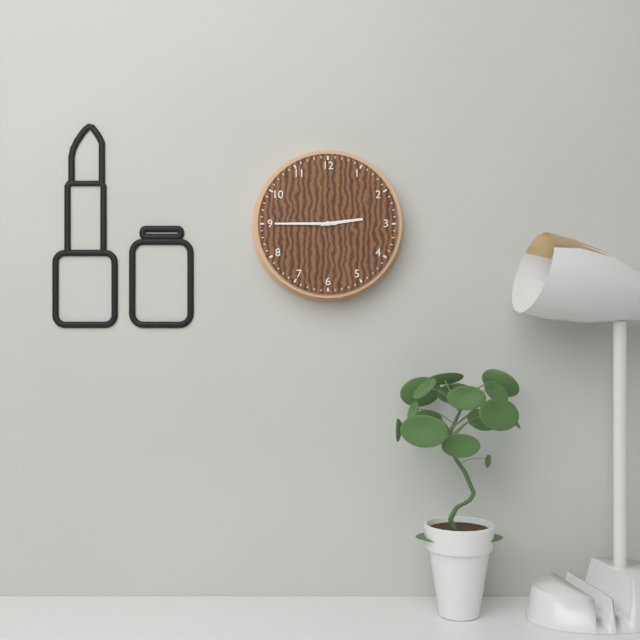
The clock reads 2,45
